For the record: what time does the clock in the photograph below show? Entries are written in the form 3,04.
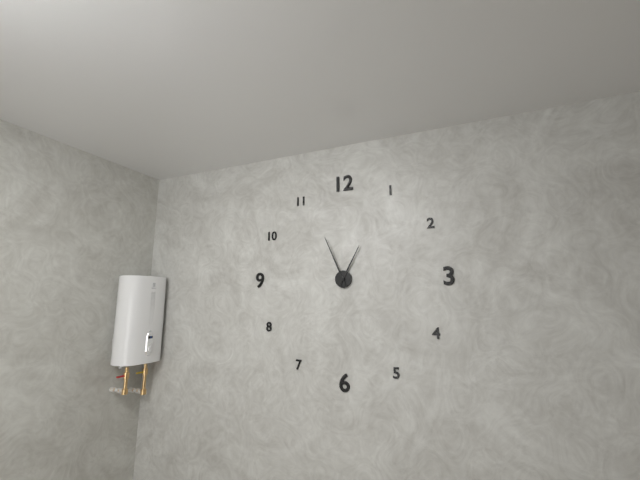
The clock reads 12,56
